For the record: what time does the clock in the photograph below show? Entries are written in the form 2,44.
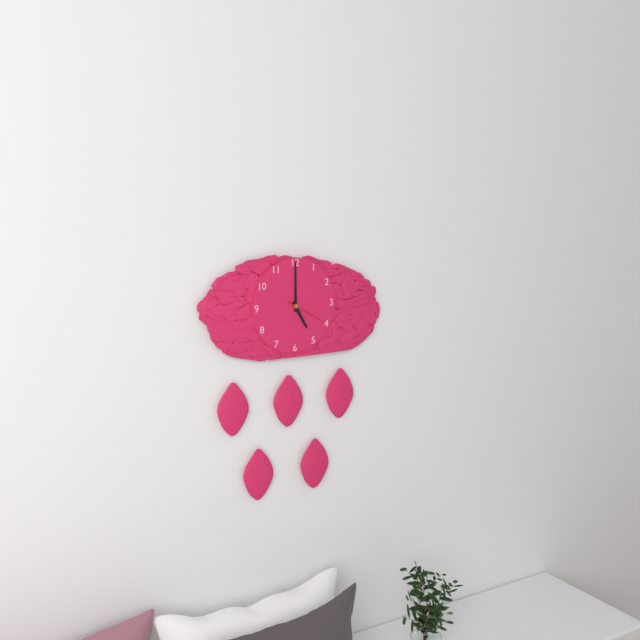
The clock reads 5,00
